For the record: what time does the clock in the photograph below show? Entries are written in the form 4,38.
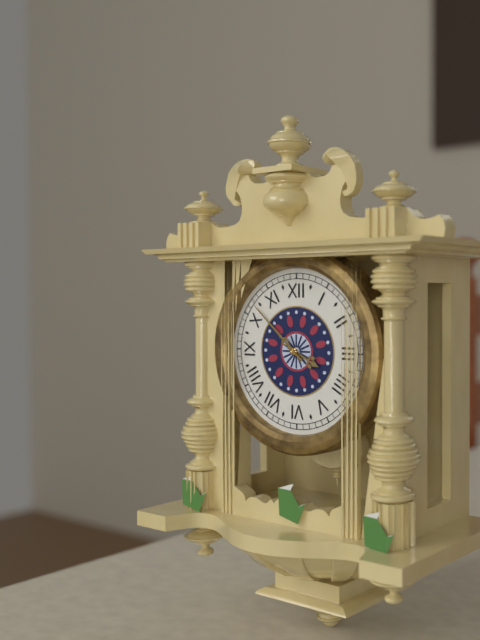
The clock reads 3,52
